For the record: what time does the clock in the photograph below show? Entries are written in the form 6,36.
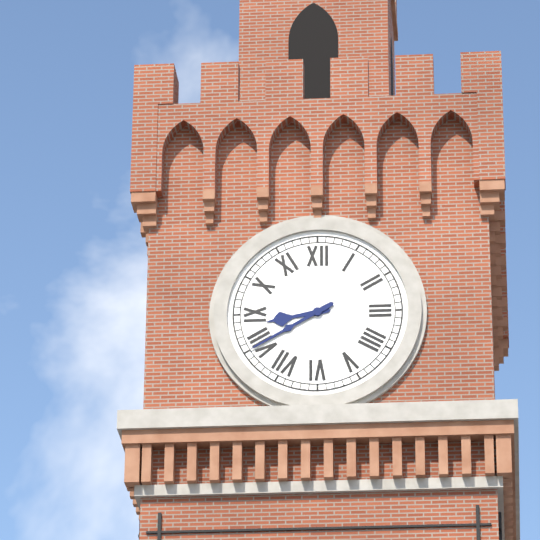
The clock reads 8,40
